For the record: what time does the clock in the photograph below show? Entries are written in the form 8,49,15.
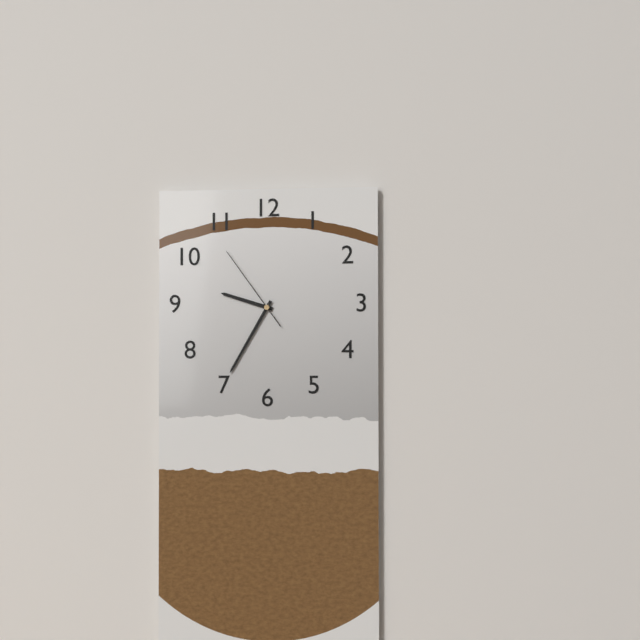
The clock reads 9,35,54
